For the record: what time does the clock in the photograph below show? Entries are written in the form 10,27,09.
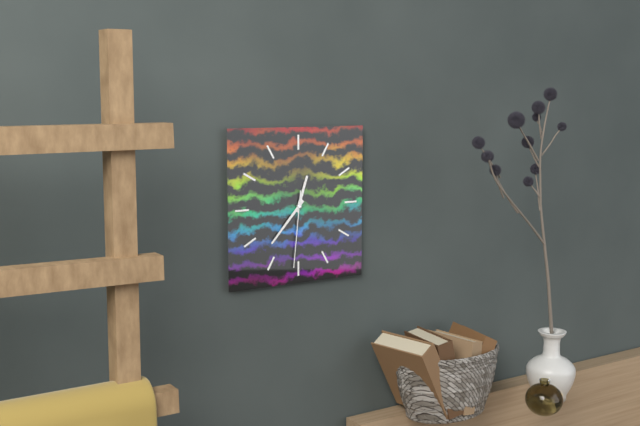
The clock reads 12,37,31
